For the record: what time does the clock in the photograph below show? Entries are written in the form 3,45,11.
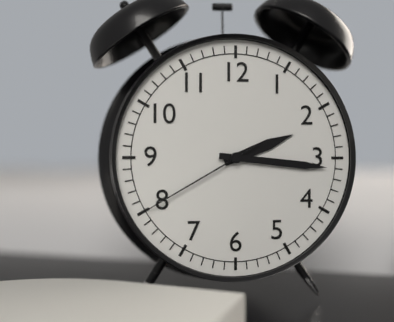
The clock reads 2,16,40
